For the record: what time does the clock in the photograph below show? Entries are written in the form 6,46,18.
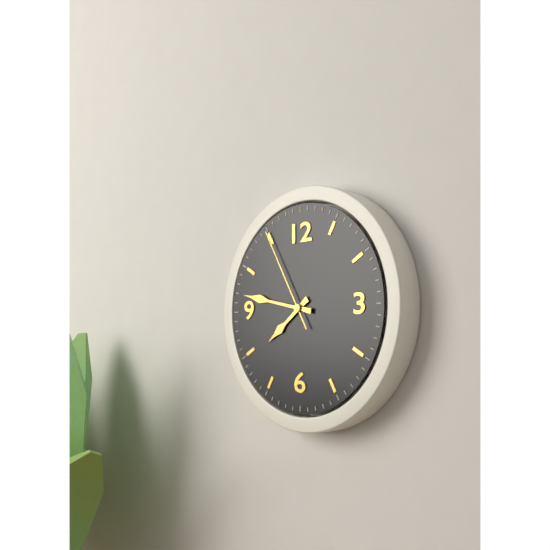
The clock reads 7,47,55
